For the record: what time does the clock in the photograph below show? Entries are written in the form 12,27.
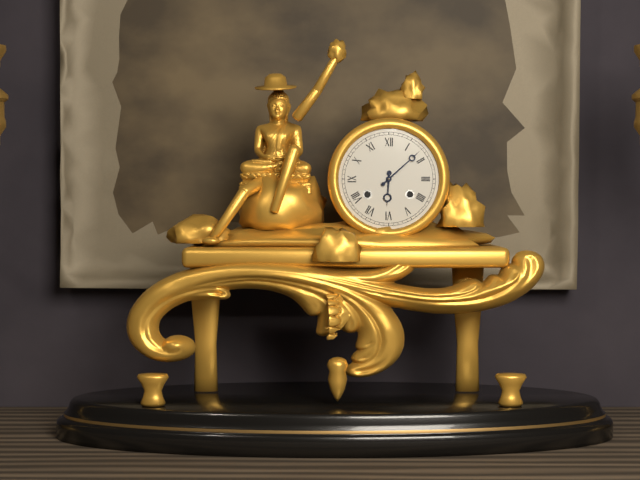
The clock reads 6,08
